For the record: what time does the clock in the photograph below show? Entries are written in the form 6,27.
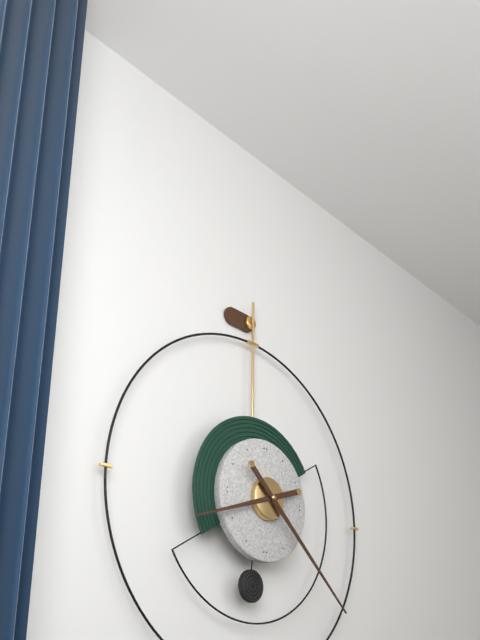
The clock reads 8,22
